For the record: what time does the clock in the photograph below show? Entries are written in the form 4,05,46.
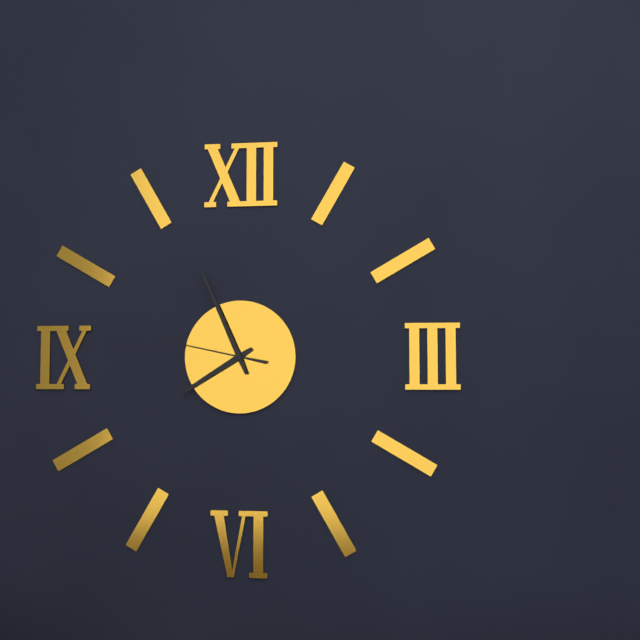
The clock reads 7,56,47
